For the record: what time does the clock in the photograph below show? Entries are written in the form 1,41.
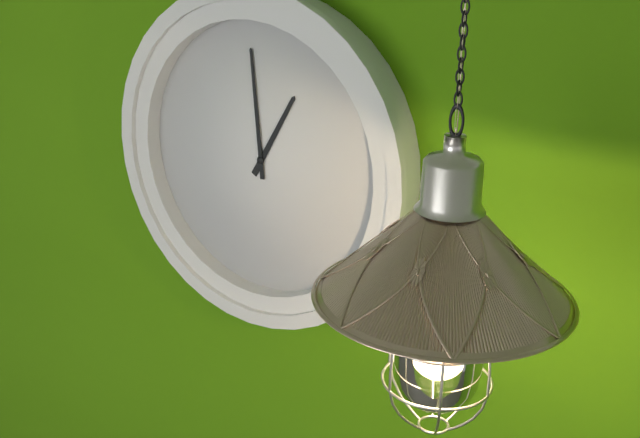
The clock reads 12,59
